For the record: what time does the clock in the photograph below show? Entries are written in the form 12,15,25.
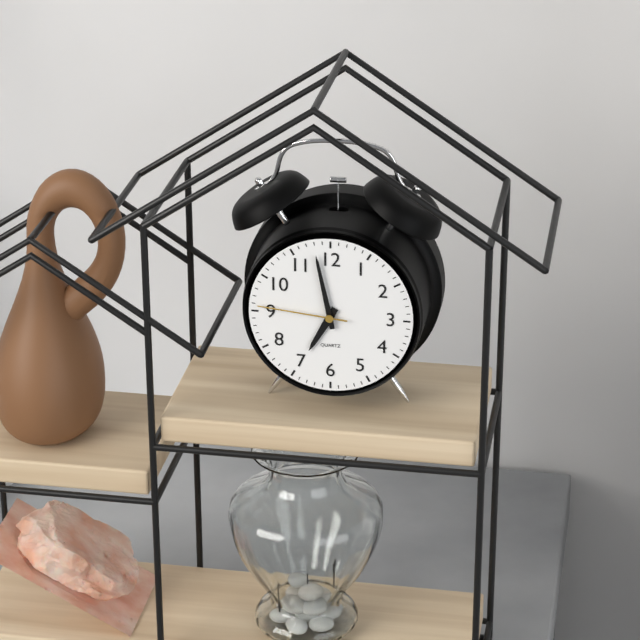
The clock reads 6,58,46
